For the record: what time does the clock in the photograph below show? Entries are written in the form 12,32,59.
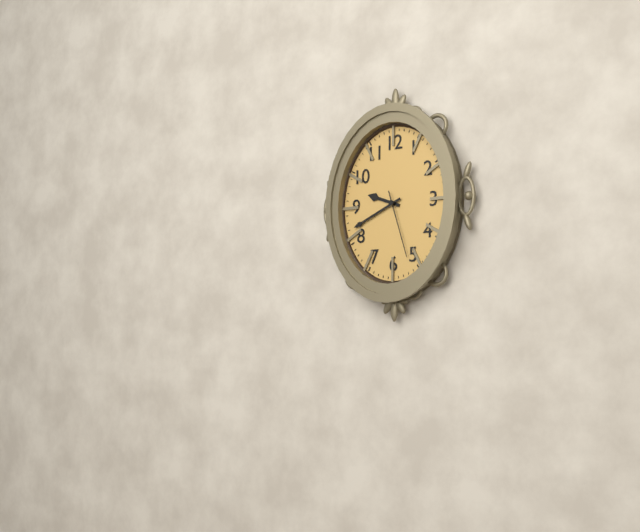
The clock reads 9,41,27
